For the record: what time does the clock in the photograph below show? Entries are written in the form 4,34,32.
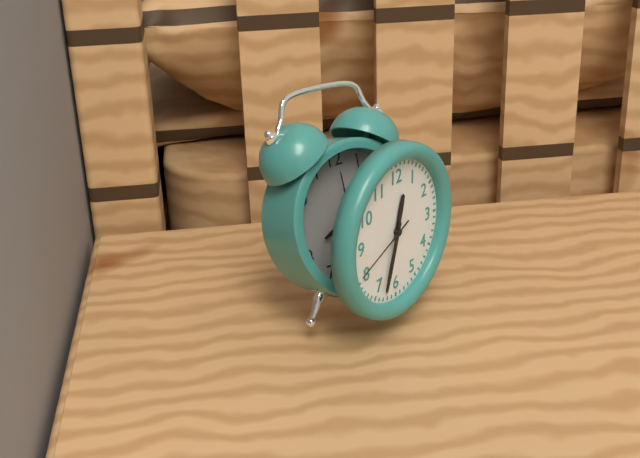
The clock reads 12,33,41
